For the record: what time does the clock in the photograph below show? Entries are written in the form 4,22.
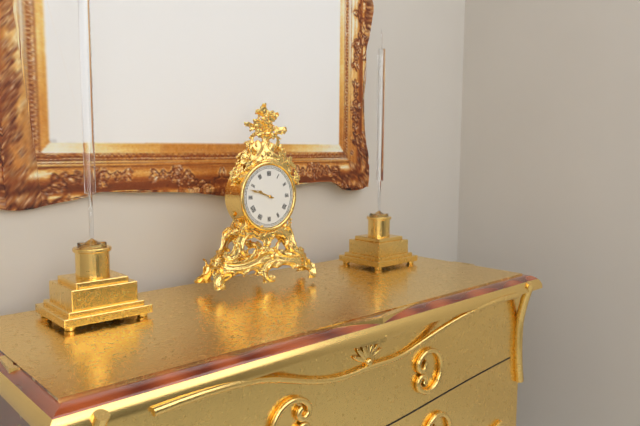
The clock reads 9,48
